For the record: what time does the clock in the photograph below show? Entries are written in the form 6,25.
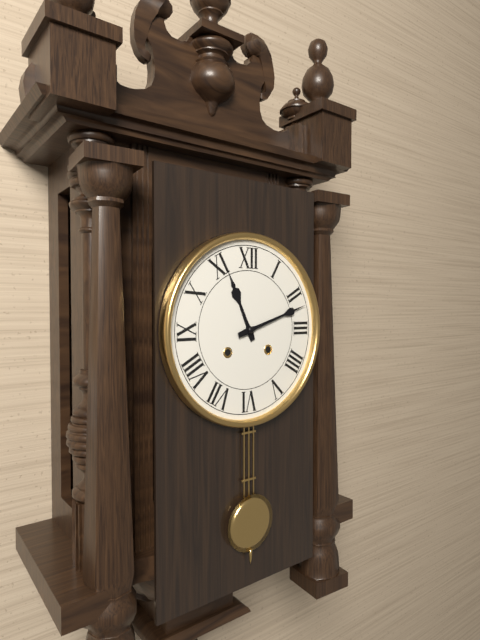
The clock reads 11,12
